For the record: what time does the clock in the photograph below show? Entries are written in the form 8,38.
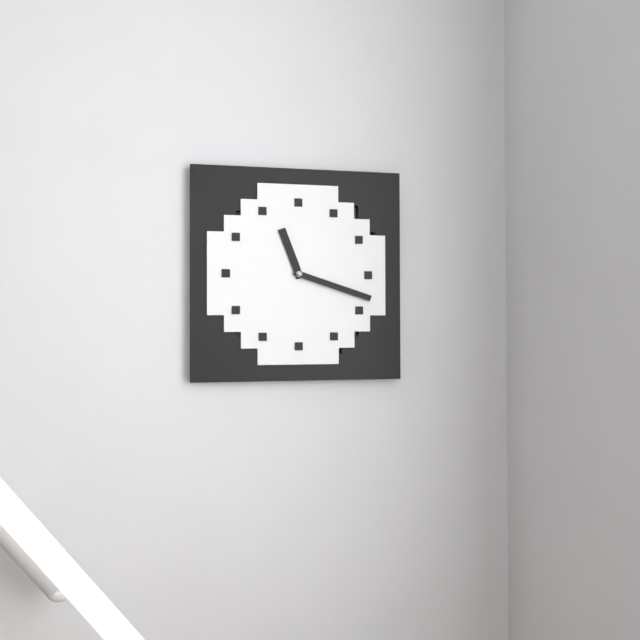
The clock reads 11,18
